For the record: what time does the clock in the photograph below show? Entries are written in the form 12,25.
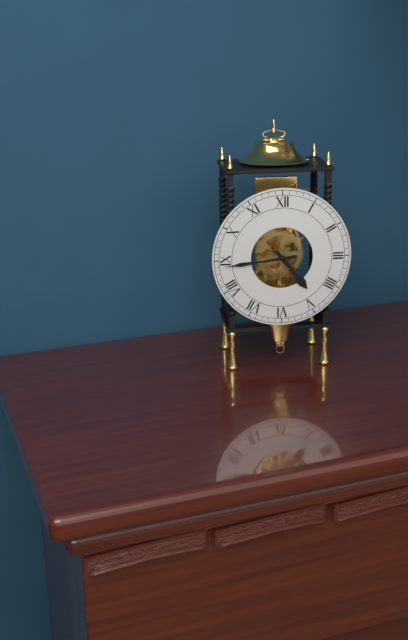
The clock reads 4,44
